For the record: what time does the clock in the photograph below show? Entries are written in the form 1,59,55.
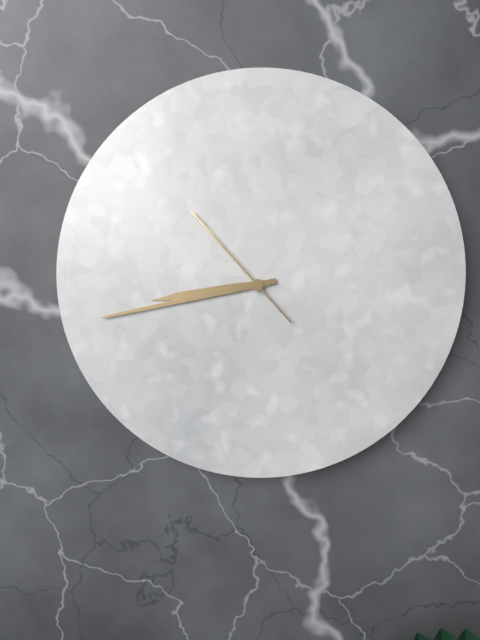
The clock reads 8,43,53
